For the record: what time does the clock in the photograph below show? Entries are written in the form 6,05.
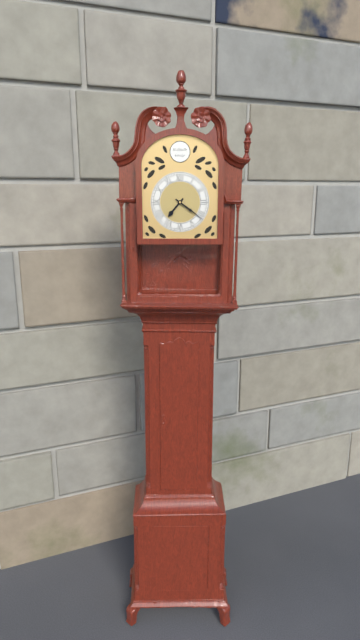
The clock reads 7,21
